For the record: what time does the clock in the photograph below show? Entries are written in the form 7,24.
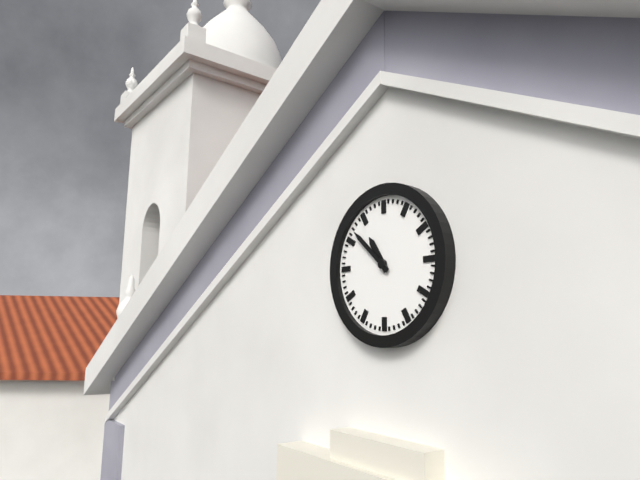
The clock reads 10,52
